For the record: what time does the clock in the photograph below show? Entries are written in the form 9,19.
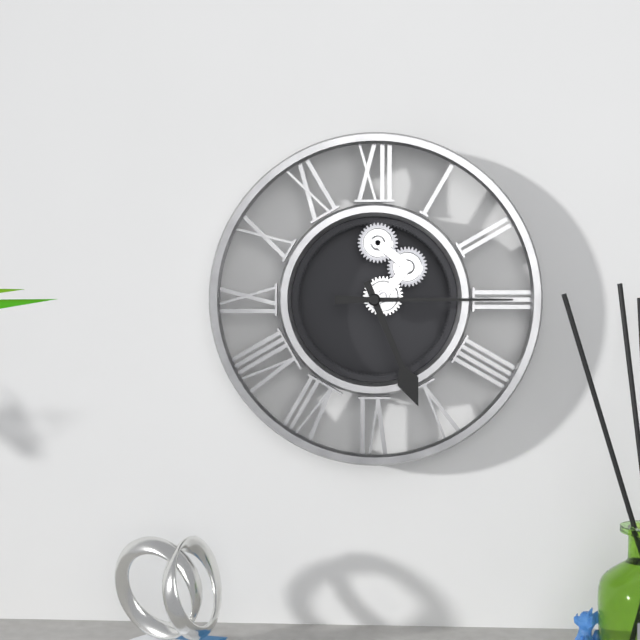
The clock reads 5,15
